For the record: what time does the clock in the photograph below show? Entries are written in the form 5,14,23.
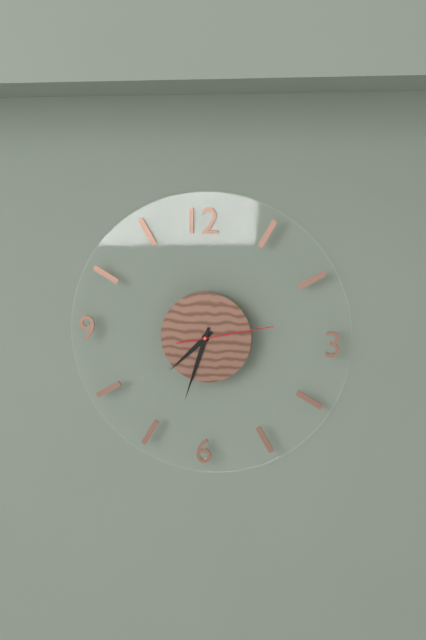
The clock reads 7,33,13
